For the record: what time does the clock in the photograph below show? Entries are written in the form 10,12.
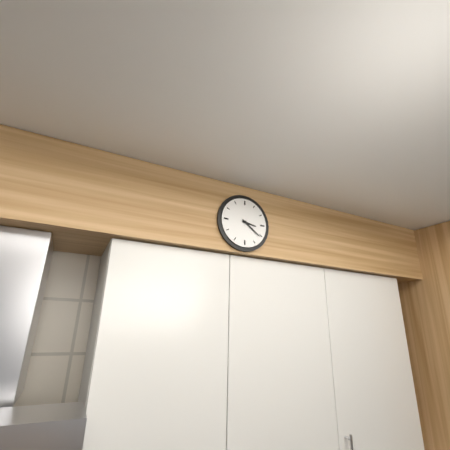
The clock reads 3,21
